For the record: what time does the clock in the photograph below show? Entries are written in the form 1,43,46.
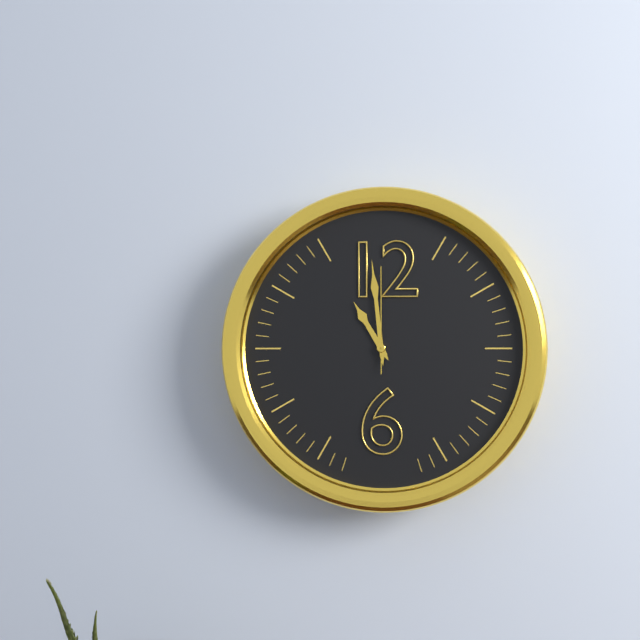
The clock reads 10,59,00
